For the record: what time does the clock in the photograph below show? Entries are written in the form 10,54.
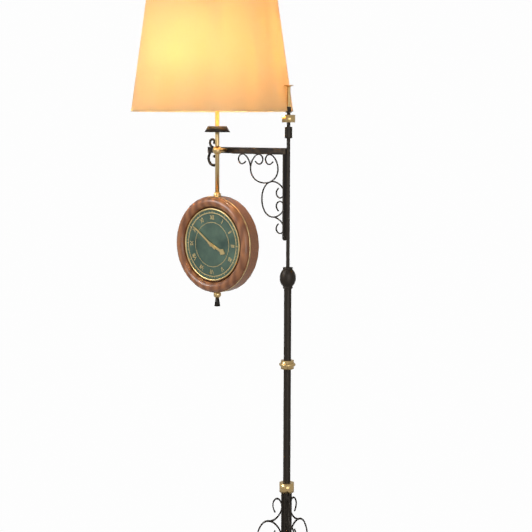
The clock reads 3,51
